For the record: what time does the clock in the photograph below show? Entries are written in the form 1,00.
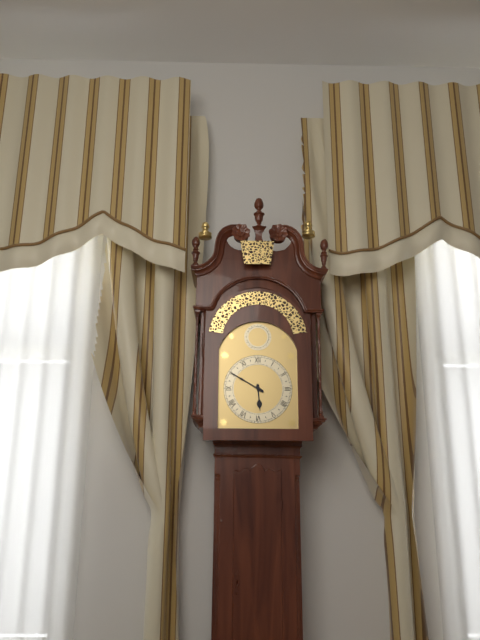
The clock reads 5,50
